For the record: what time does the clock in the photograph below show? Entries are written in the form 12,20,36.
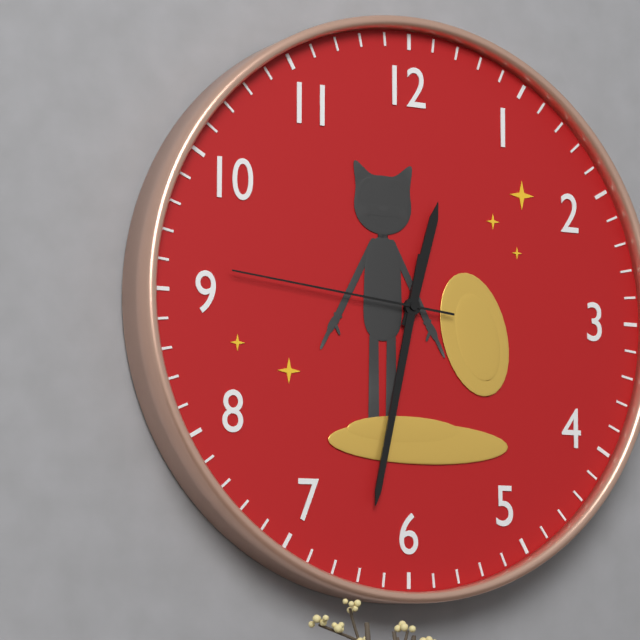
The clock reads 12,32,46
